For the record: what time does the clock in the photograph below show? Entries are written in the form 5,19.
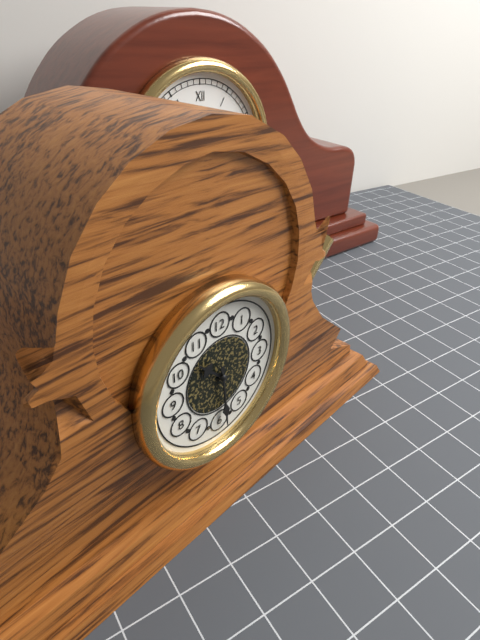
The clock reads 10,29
